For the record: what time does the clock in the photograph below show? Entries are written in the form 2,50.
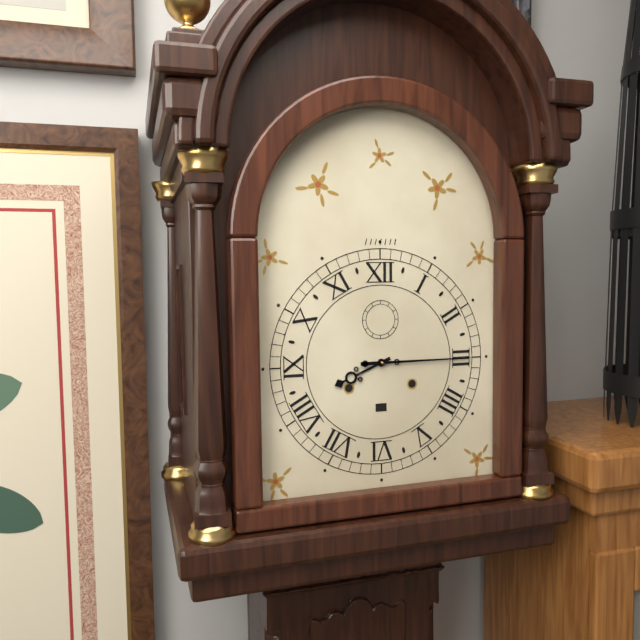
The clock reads 8,15
